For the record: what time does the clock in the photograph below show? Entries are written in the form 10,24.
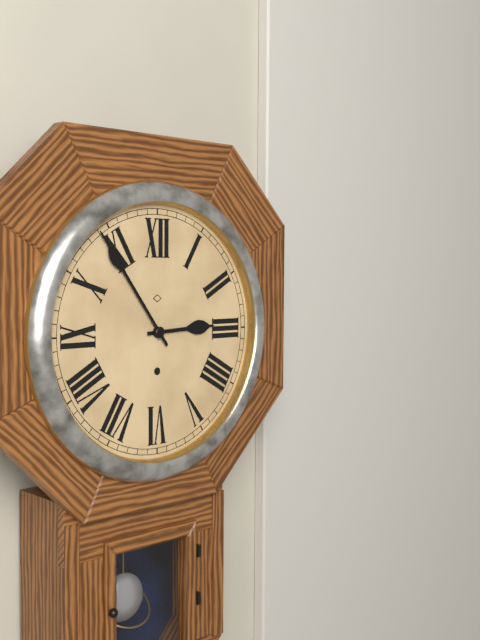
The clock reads 2,54
